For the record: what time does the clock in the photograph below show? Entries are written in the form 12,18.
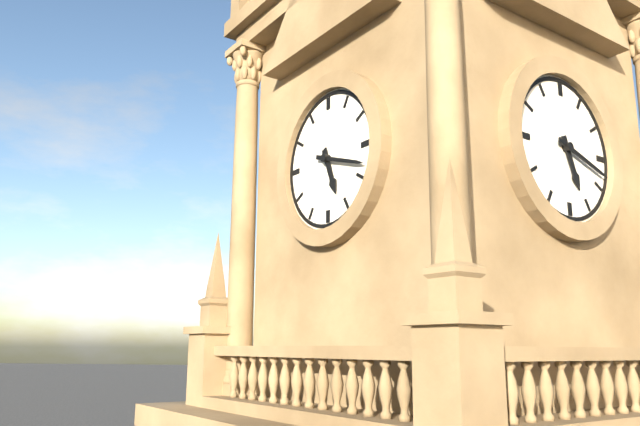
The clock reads 5,18
